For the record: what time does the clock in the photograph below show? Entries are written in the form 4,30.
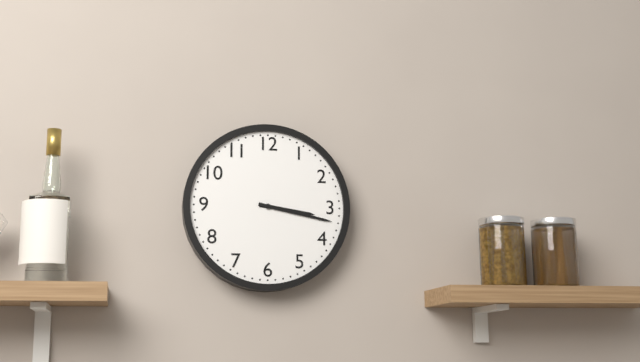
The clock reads 3,17
